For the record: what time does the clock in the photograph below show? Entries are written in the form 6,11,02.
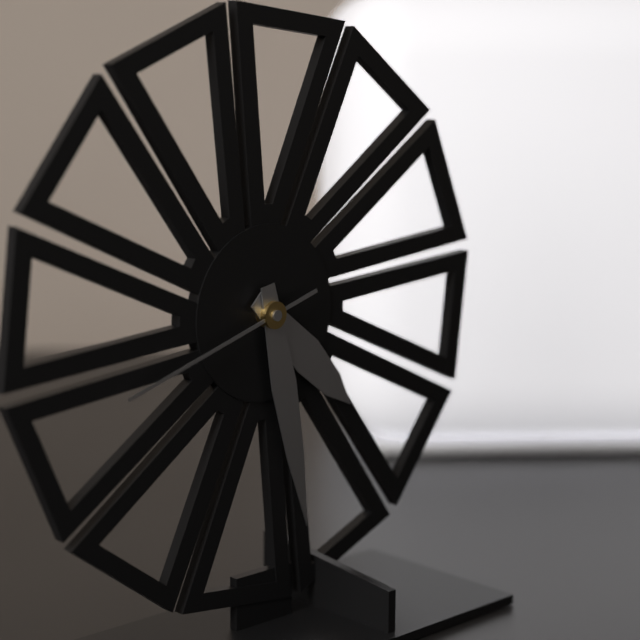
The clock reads 4,28,42
